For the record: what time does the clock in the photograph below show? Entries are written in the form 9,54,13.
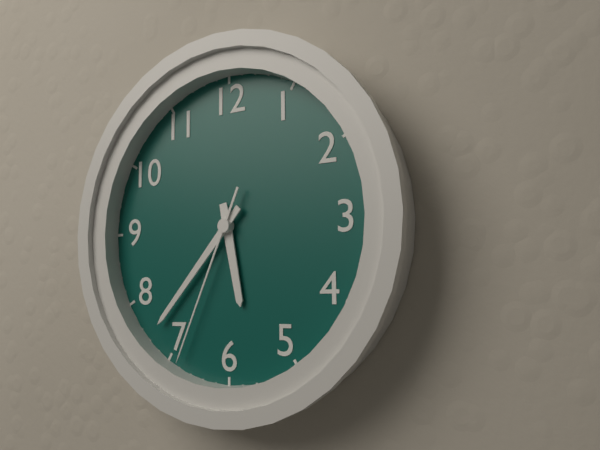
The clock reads 5,37,34
